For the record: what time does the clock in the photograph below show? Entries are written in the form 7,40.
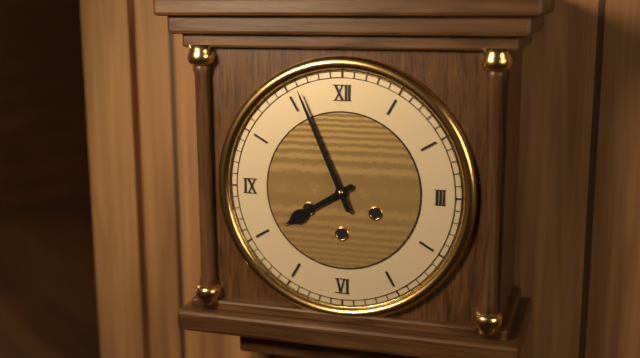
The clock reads 7,56
